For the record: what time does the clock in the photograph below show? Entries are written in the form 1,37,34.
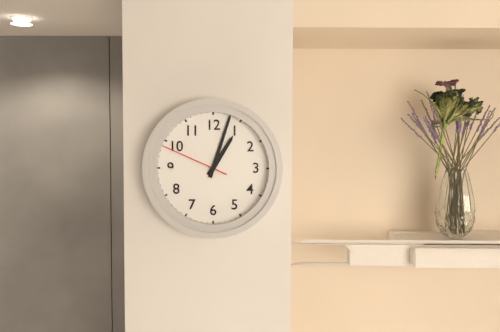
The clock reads 1,03,49
